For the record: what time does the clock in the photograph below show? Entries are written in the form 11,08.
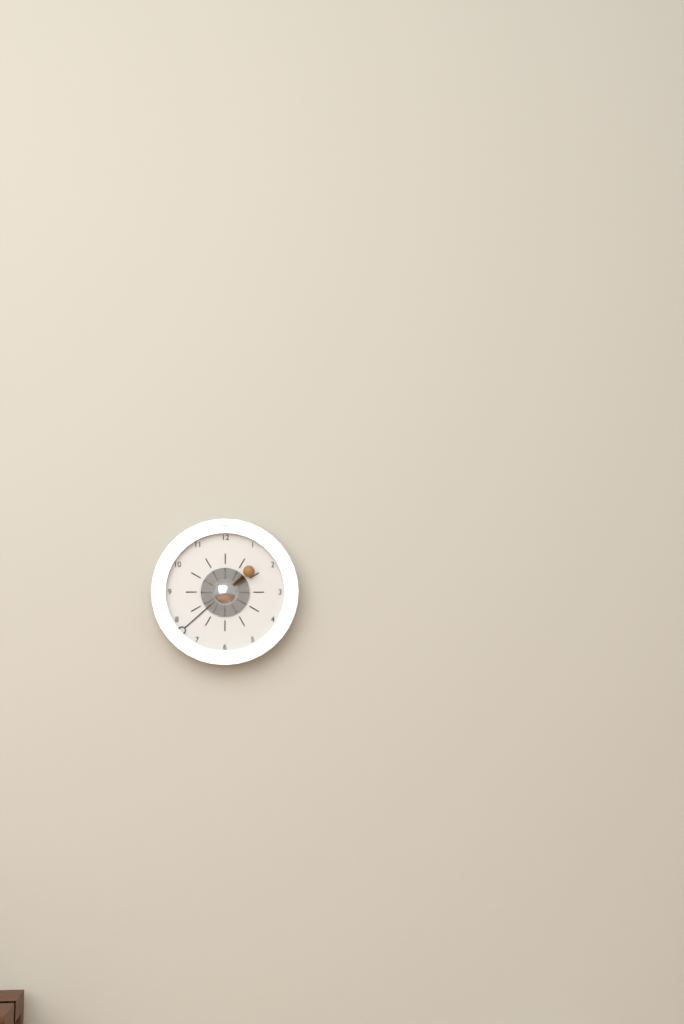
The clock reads 1,38
